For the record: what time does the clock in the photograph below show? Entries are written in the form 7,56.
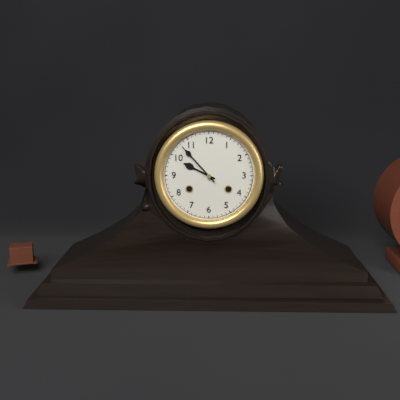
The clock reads 9,53
